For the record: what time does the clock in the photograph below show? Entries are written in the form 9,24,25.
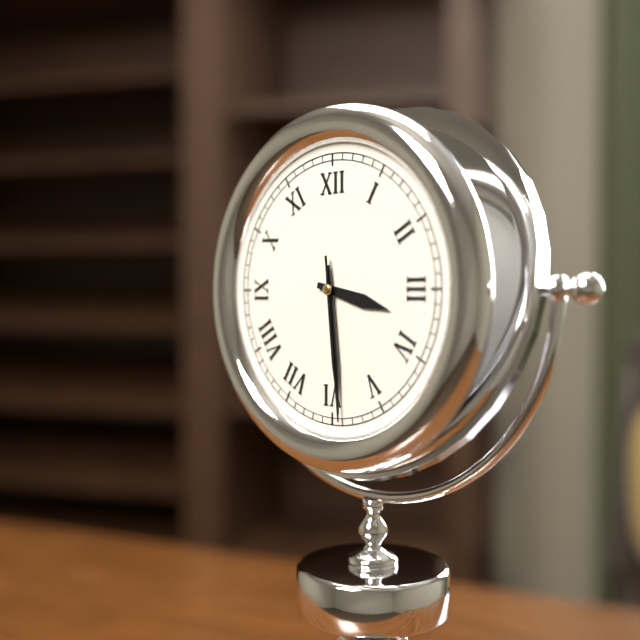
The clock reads 3,29,29
